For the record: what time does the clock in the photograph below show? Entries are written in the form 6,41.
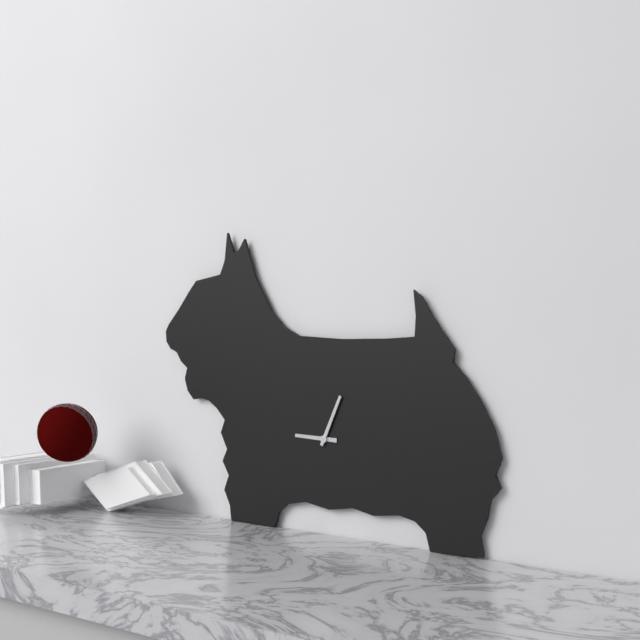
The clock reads 9,04
